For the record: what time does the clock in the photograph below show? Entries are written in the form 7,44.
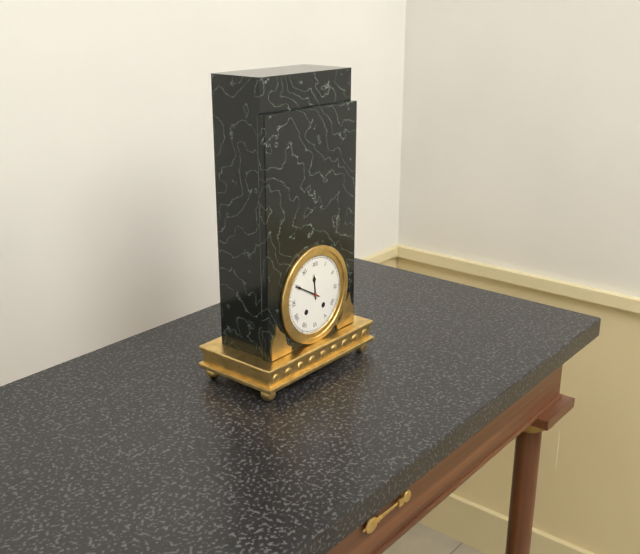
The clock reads 11,50
